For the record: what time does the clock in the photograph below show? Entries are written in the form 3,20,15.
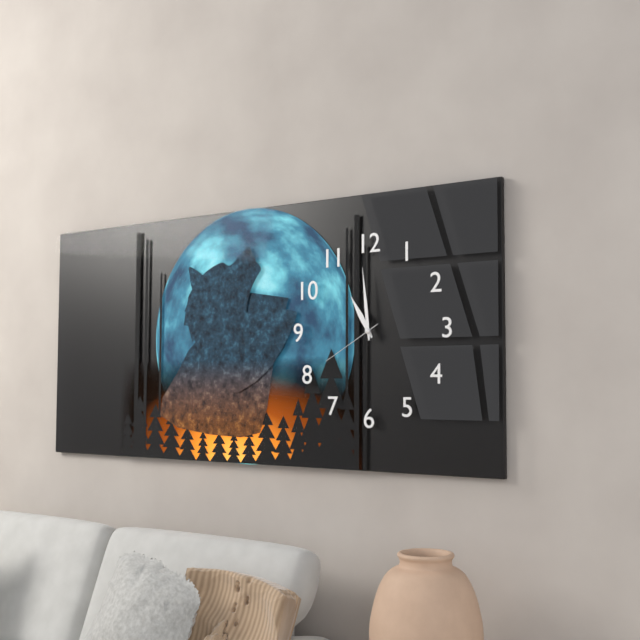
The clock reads 10,59,40
